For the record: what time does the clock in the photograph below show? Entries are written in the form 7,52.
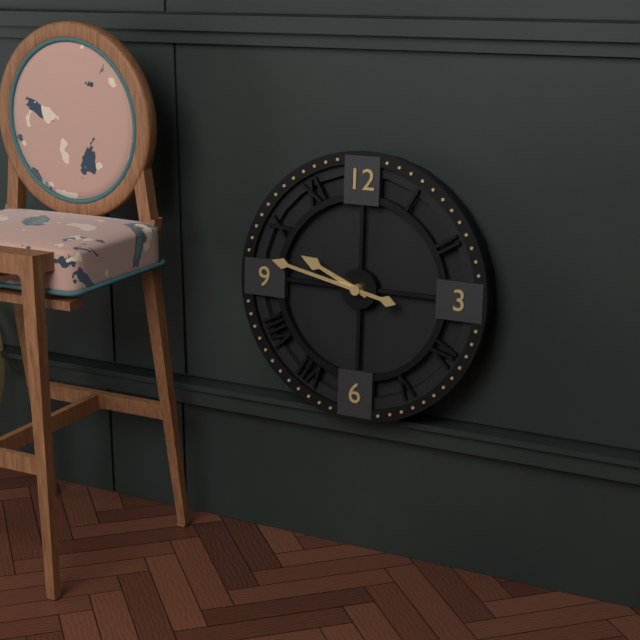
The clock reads 9,47
